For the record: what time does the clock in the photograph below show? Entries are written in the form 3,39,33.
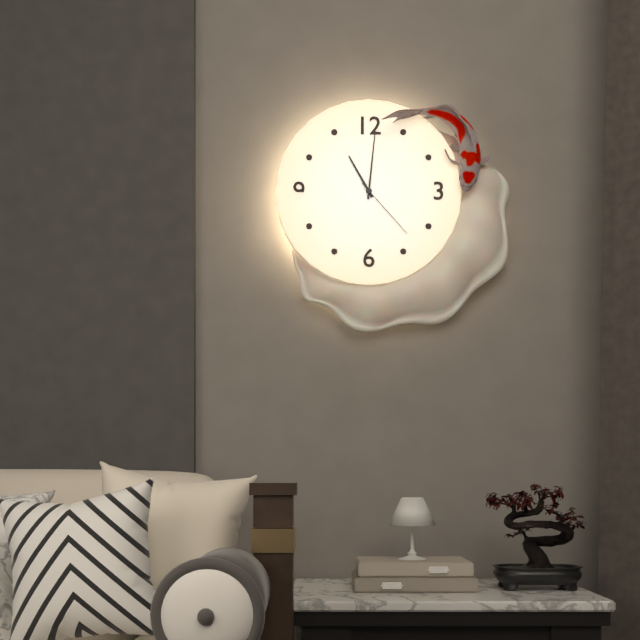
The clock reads 11,01,23
